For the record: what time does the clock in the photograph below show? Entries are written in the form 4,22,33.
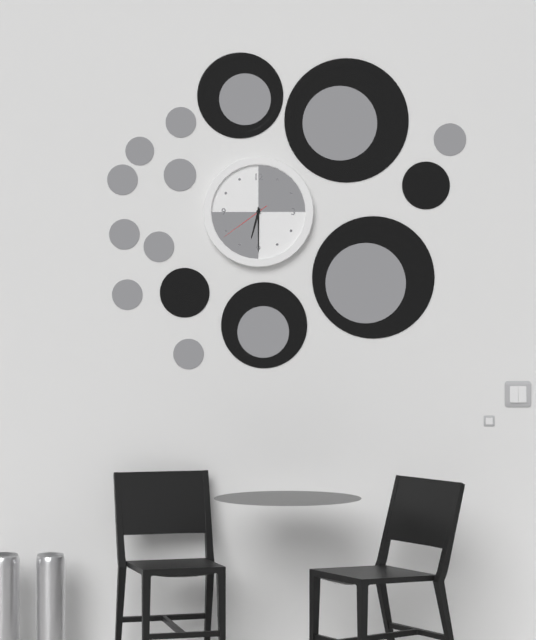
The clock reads 6,30,39
